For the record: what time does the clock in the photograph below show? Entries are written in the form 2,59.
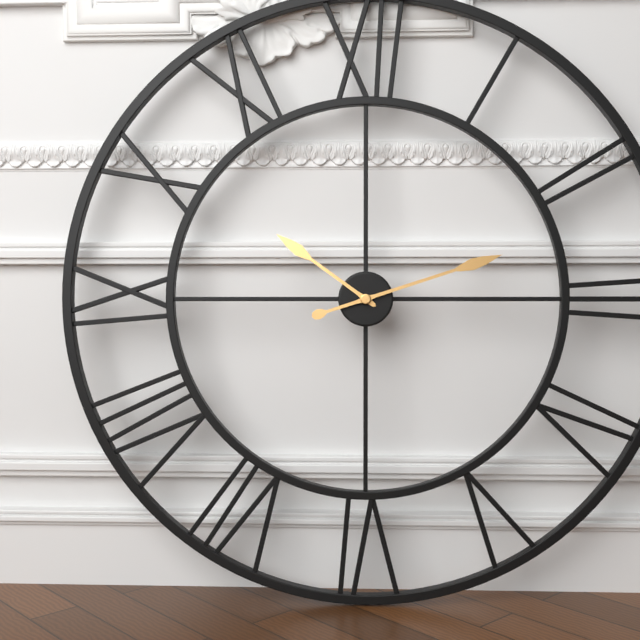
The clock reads 10,12
